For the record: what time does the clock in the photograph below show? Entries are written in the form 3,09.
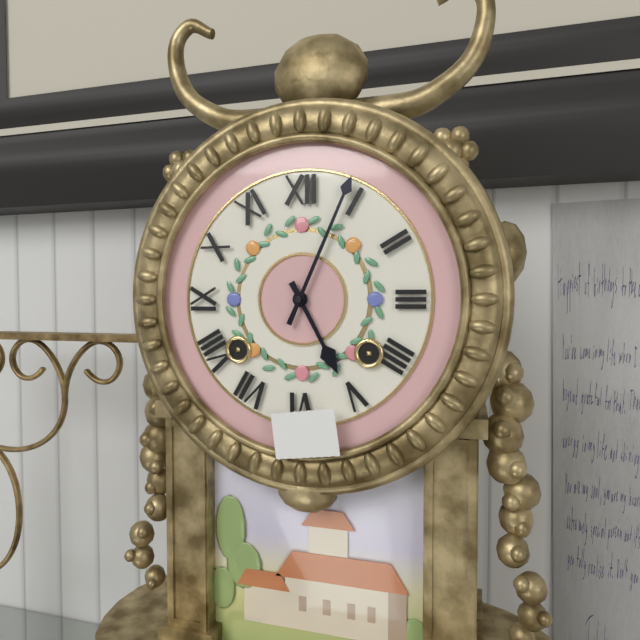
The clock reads 5,04
